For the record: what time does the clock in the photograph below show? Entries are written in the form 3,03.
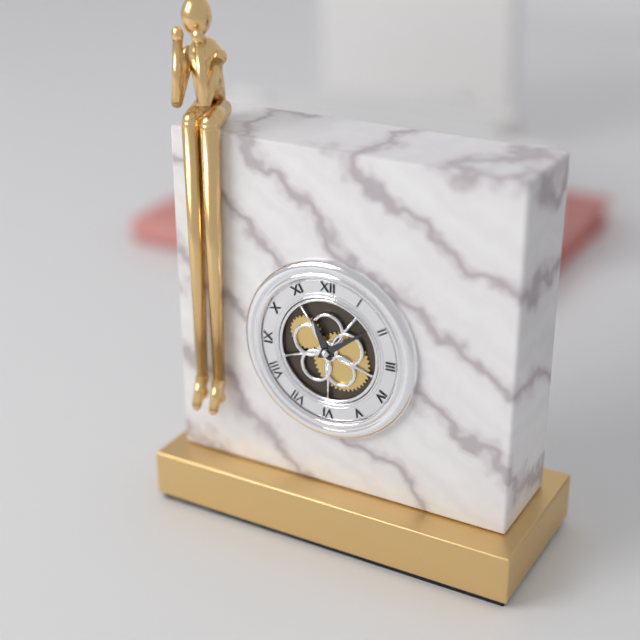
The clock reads 11,09
